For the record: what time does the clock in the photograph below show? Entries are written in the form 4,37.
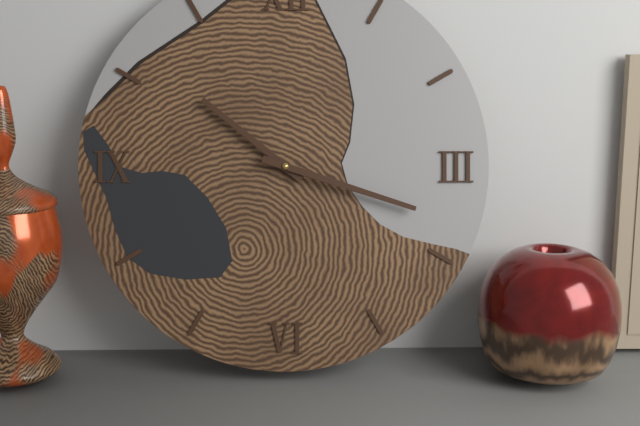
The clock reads 10,18
